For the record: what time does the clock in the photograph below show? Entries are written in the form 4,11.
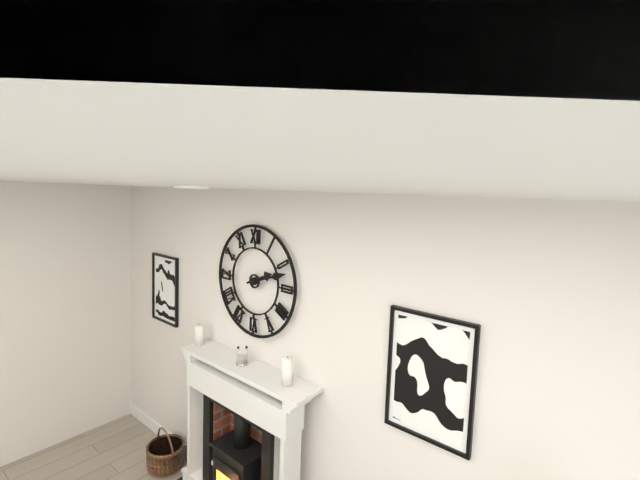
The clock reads 2,12
